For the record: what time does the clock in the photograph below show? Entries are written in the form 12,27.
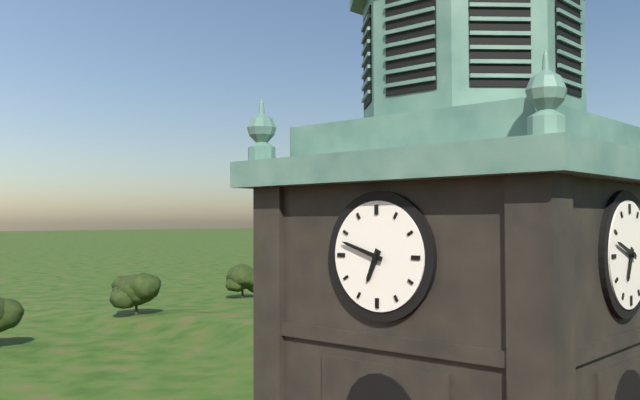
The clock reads 6,48
